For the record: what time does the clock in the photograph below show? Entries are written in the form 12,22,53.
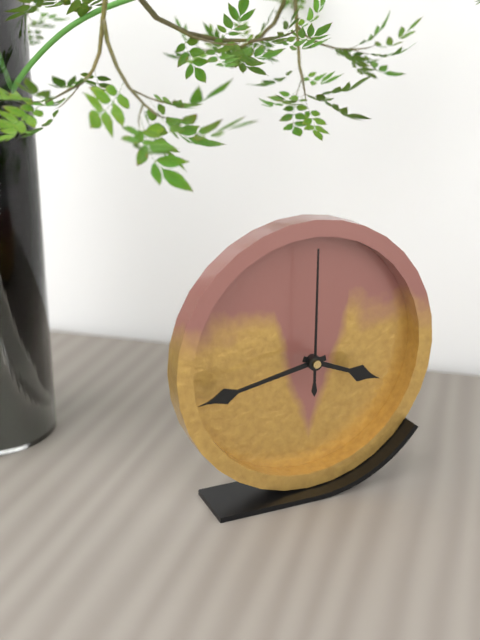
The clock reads 3,43,00
